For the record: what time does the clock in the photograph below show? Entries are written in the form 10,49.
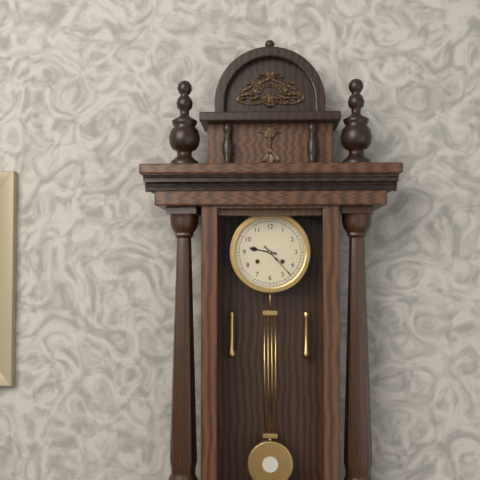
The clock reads 9,23
